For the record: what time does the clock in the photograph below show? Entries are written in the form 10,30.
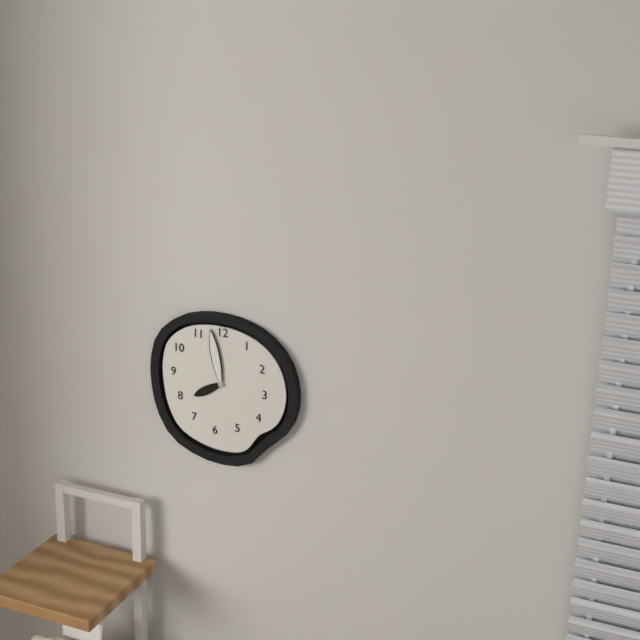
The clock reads 7,58
